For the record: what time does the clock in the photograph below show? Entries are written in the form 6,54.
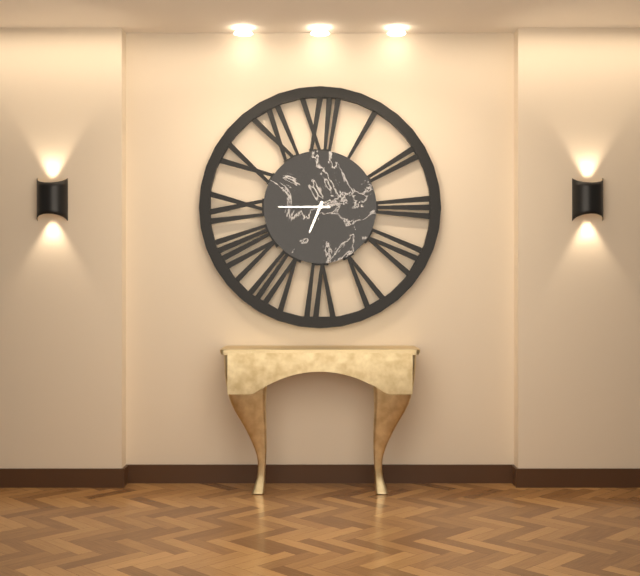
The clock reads 6,45
